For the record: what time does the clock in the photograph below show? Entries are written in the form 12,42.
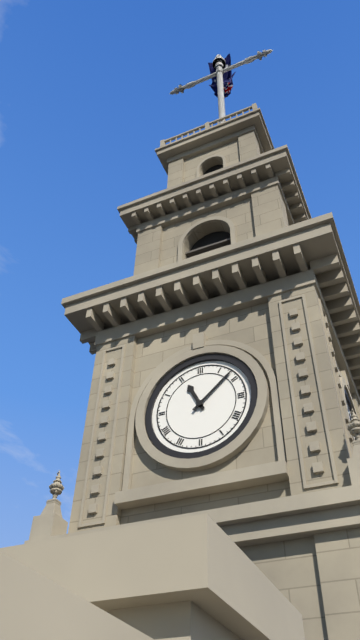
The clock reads 11,08
